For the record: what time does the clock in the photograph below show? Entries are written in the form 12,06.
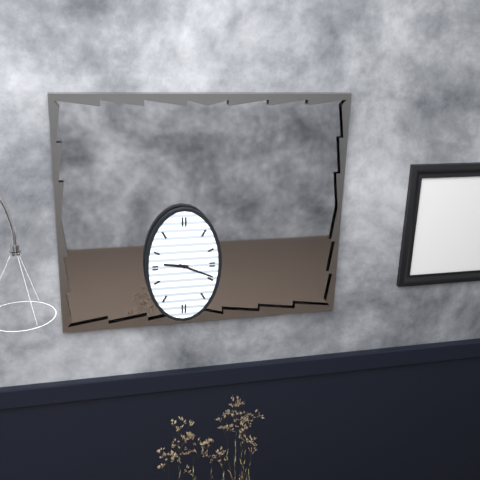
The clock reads 9,19
